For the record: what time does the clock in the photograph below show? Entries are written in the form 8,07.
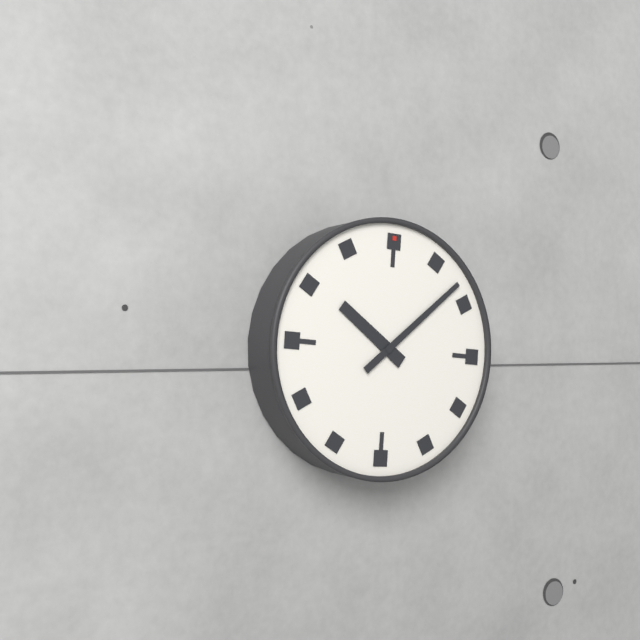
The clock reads 10,08
